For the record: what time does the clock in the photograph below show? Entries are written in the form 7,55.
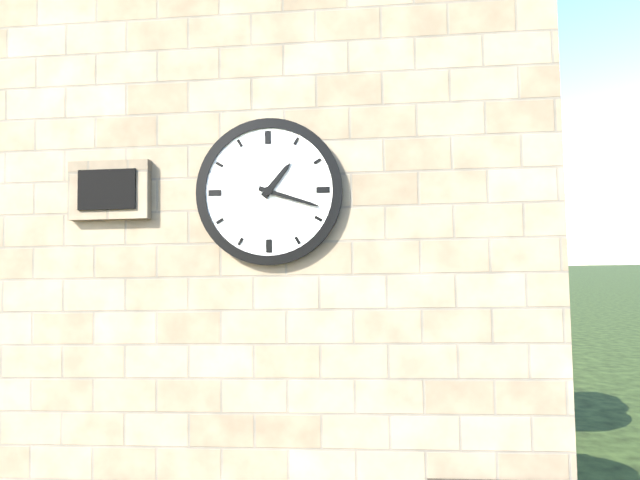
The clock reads 1,18
